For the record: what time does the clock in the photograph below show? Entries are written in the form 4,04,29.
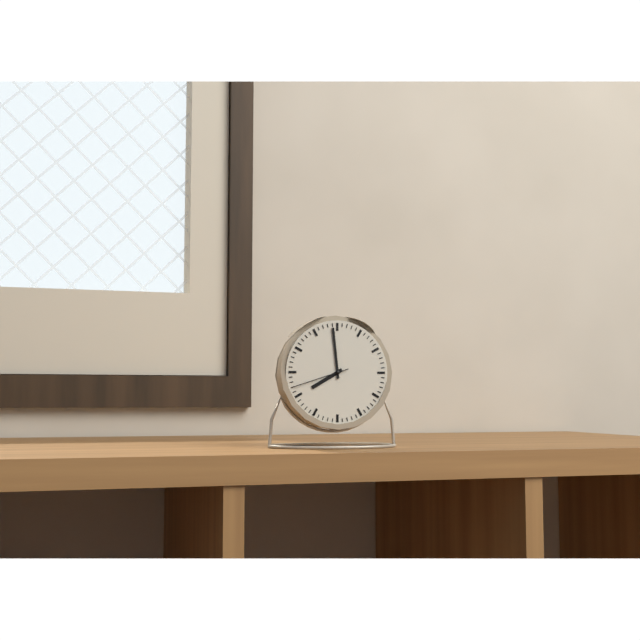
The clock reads 7,59,42
